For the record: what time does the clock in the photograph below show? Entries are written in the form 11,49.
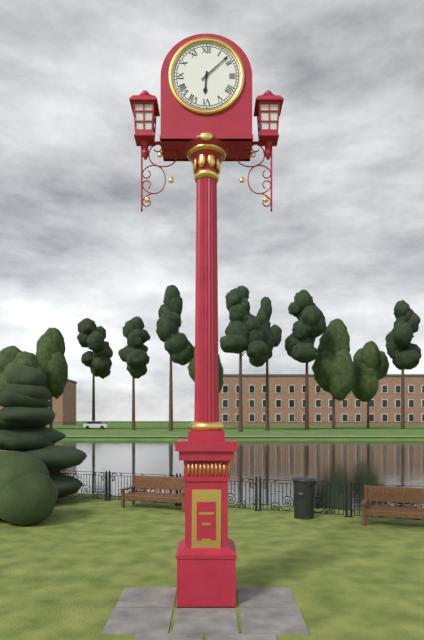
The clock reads 6,08
